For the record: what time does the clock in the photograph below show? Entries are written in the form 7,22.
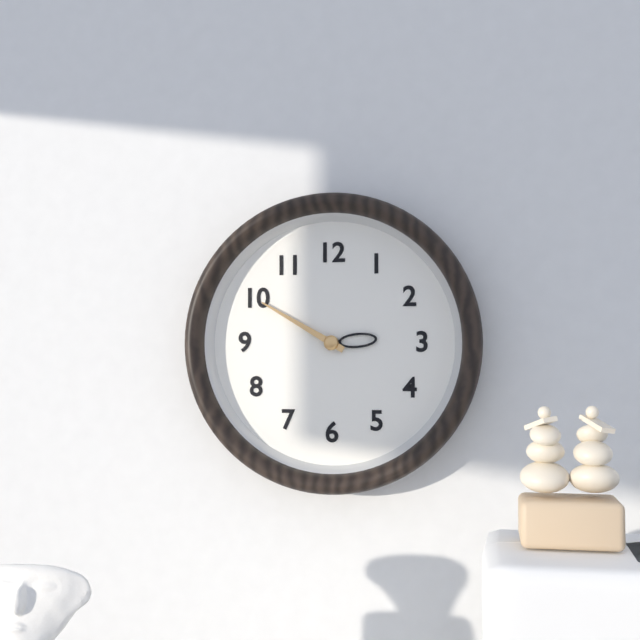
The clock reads 2,50
